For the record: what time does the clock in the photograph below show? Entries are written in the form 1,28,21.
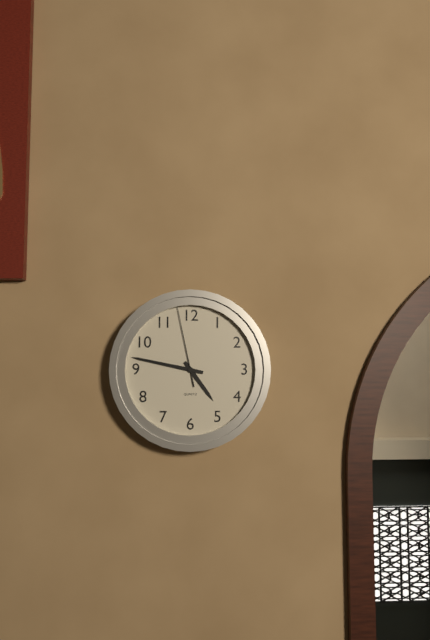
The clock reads 4,47,58
